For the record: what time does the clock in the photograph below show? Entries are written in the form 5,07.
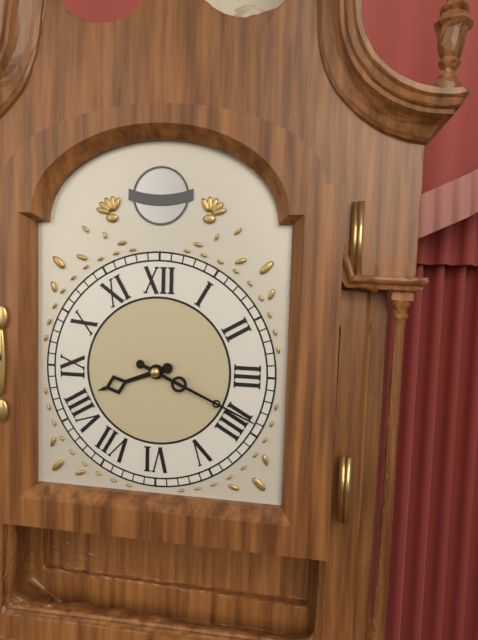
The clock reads 8,19
